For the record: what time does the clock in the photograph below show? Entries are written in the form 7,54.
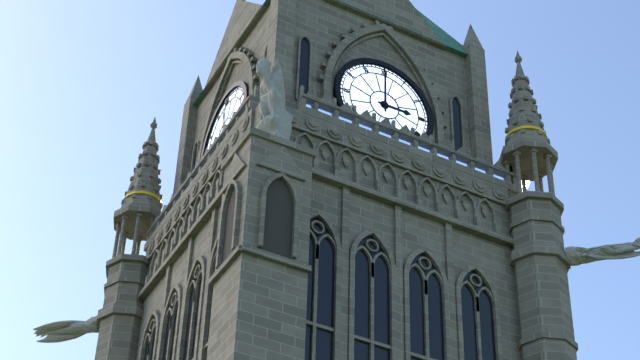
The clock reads 3,00
